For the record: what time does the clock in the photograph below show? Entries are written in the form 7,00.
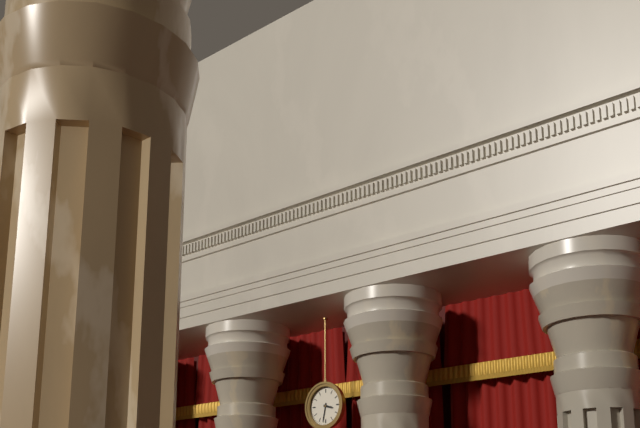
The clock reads 3,32
